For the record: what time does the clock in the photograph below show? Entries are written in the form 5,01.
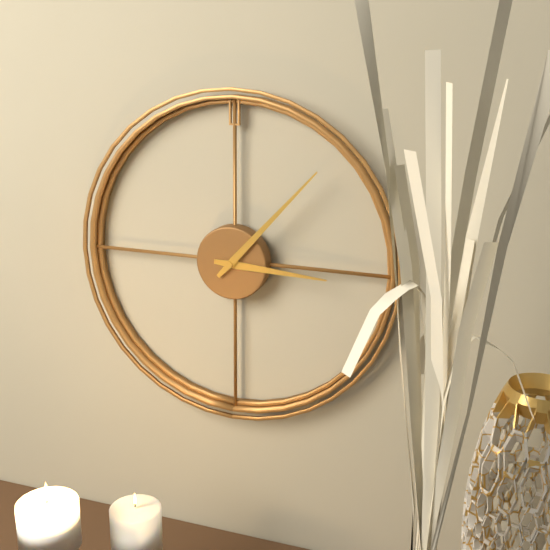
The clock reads 3,07
